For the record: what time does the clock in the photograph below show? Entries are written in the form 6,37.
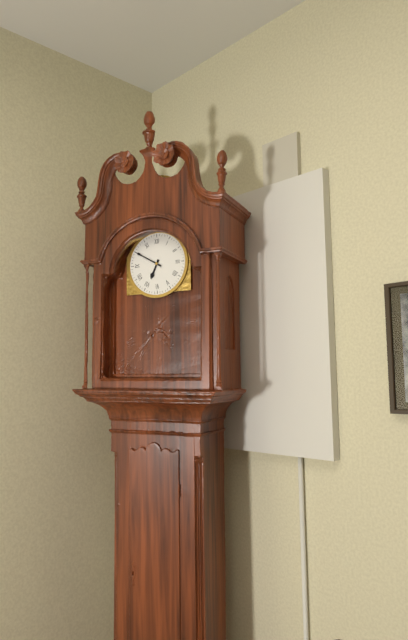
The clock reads 6,50
